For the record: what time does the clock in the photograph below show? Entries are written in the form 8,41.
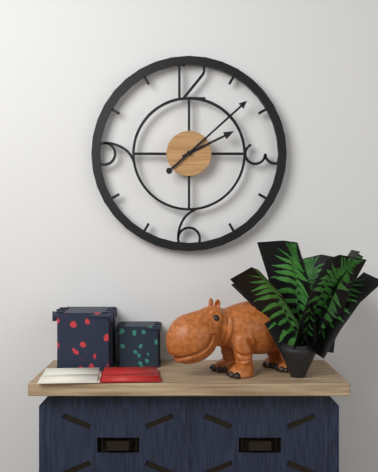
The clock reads 2,08
